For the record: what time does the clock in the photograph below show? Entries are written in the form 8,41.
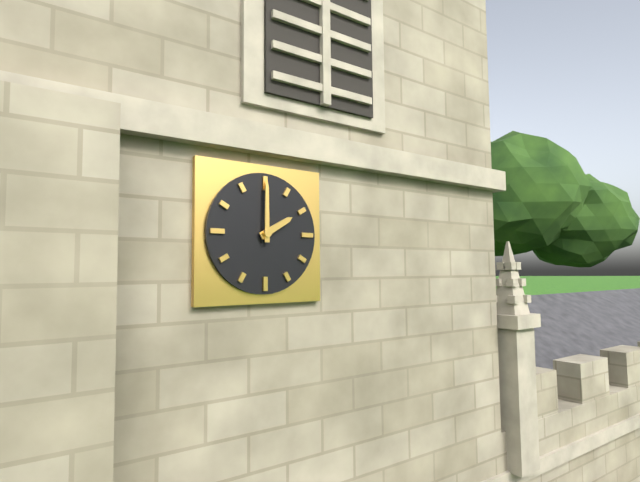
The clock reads 2,00
